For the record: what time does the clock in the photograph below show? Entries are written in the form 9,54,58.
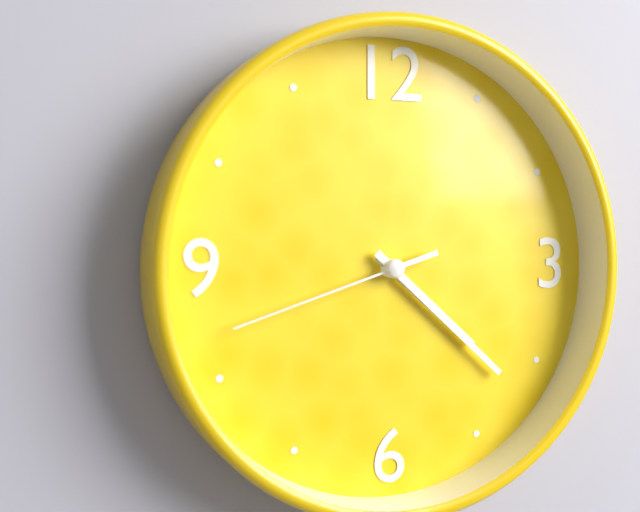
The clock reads 4,22,42
